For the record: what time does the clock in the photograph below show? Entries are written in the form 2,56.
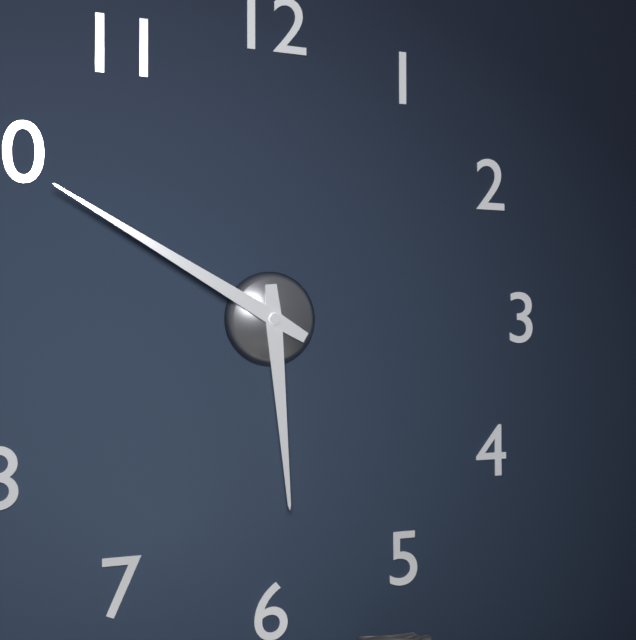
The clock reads 5,50
